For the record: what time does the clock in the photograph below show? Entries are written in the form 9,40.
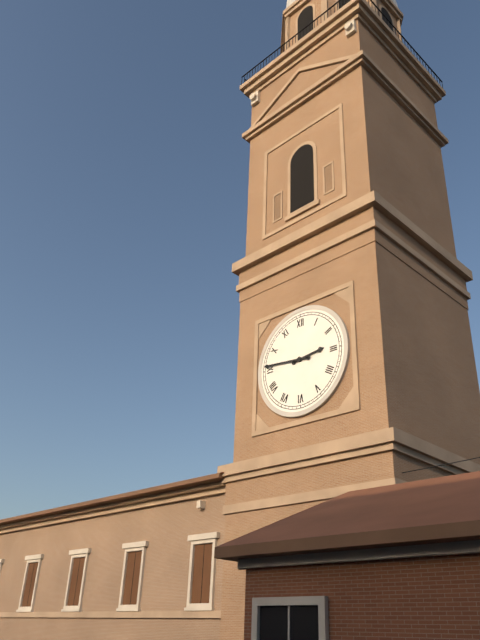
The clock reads 2,46
